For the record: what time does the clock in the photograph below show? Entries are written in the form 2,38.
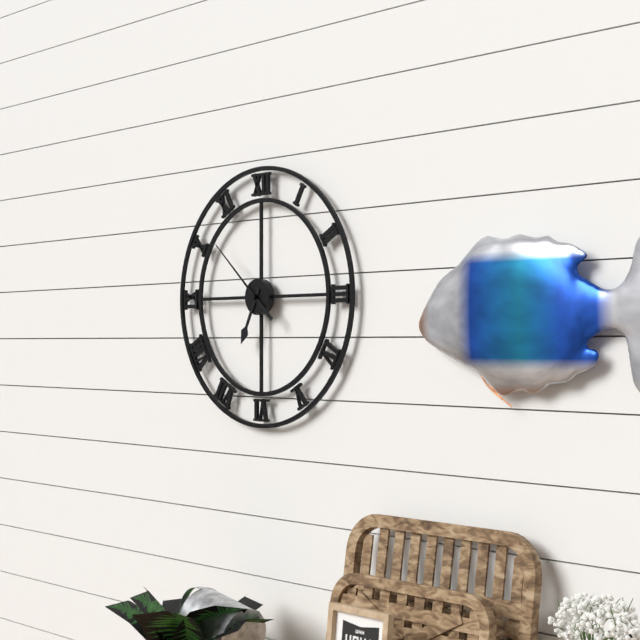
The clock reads 6,52
